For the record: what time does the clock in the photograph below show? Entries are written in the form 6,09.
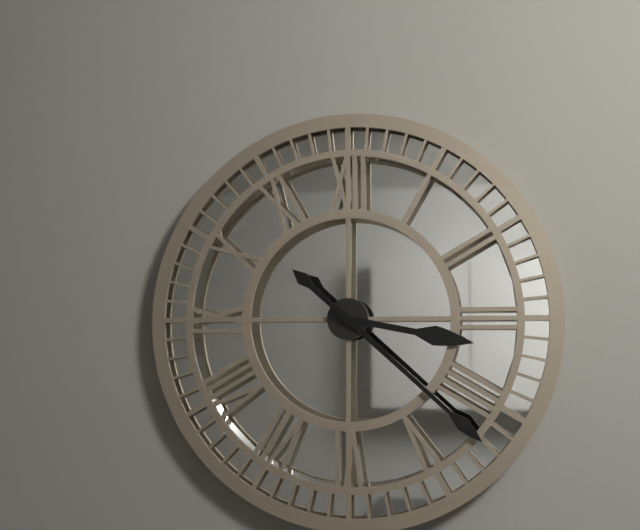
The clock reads 3,22
